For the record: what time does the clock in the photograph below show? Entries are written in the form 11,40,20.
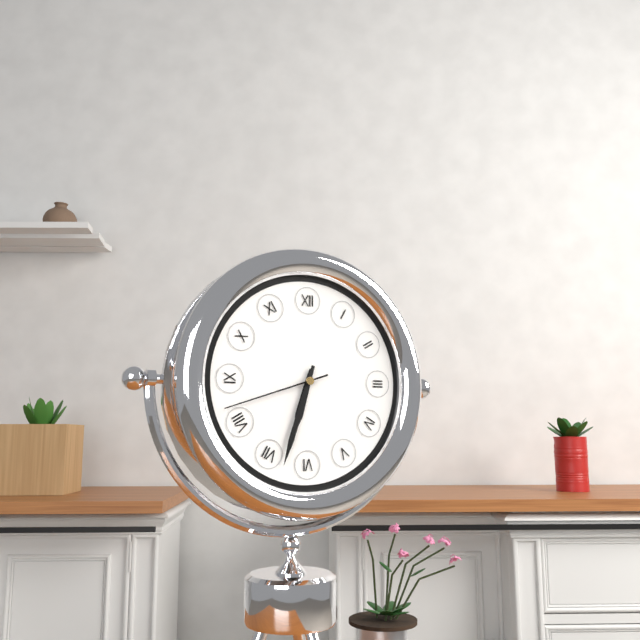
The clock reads 6,33,42
